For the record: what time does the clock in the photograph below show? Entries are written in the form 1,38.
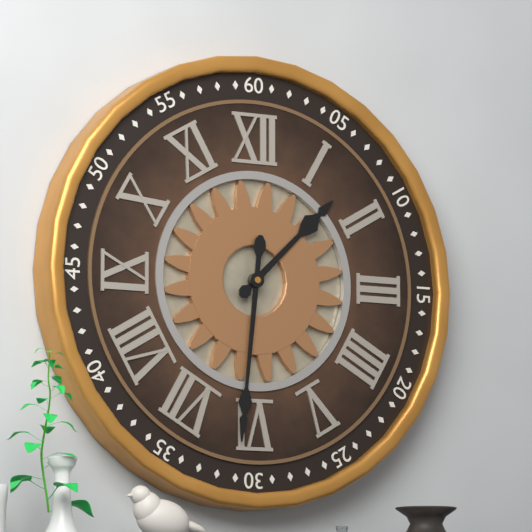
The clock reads 1,31
